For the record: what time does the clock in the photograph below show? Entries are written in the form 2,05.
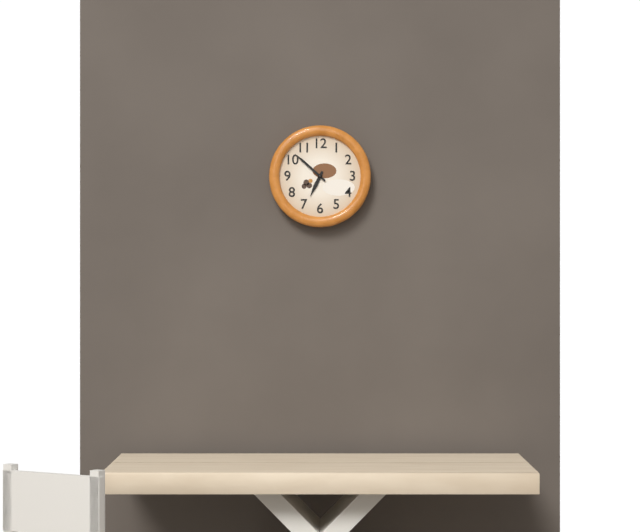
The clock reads 6,52
